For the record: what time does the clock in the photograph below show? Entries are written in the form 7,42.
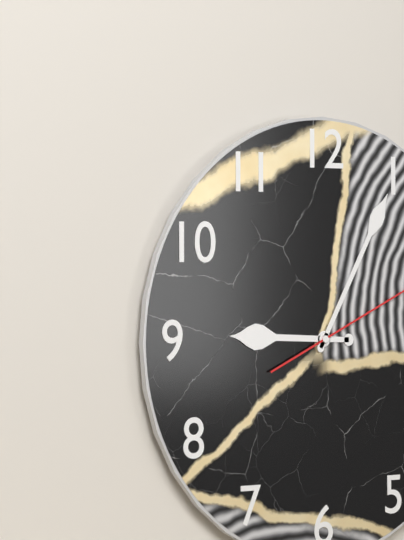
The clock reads 9,05
